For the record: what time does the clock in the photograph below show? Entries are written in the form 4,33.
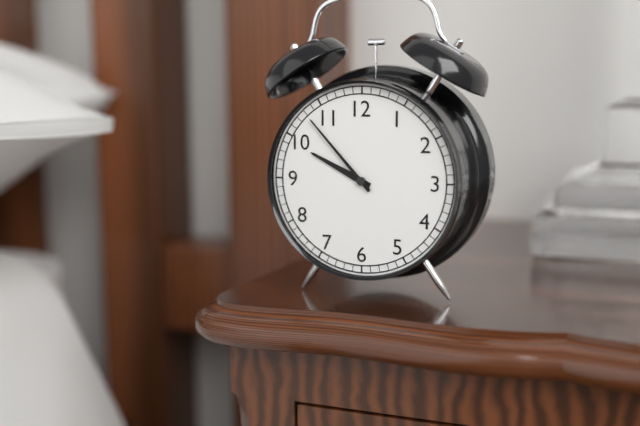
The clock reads 9,53
